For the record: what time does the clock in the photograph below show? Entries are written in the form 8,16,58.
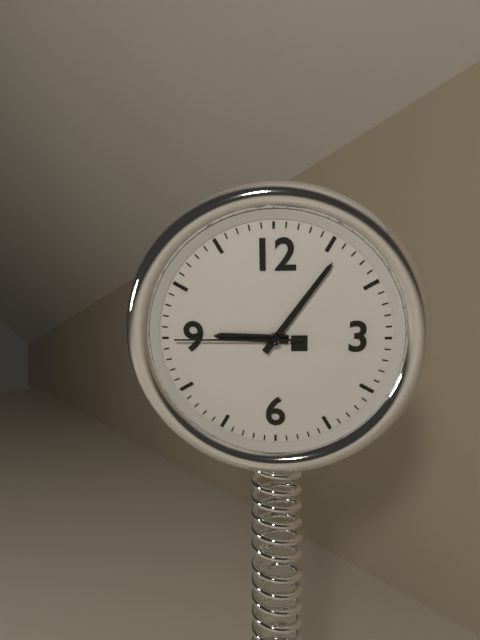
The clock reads 9,06,45
